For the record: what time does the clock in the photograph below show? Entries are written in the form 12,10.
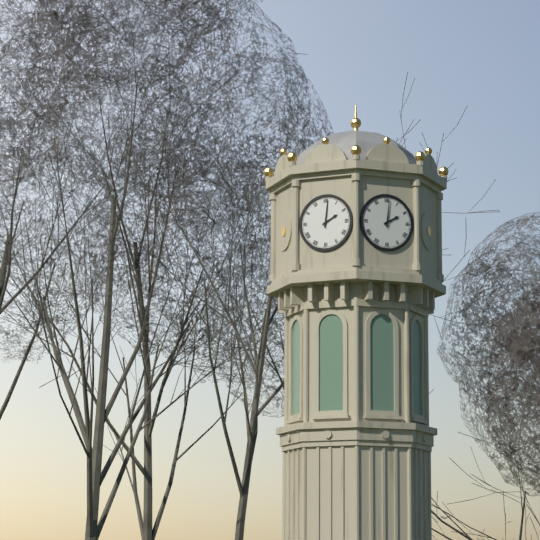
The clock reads 2,01
